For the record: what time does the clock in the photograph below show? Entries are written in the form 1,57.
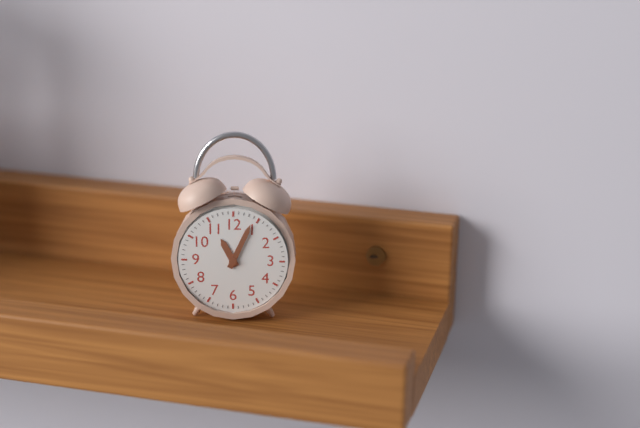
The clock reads 11,04
